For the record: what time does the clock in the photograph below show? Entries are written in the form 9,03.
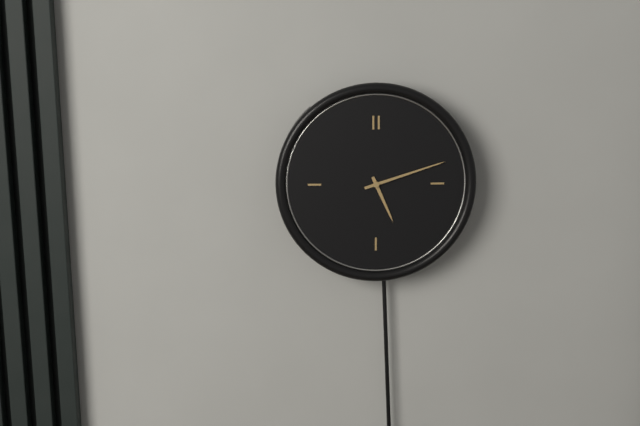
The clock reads 5,12
